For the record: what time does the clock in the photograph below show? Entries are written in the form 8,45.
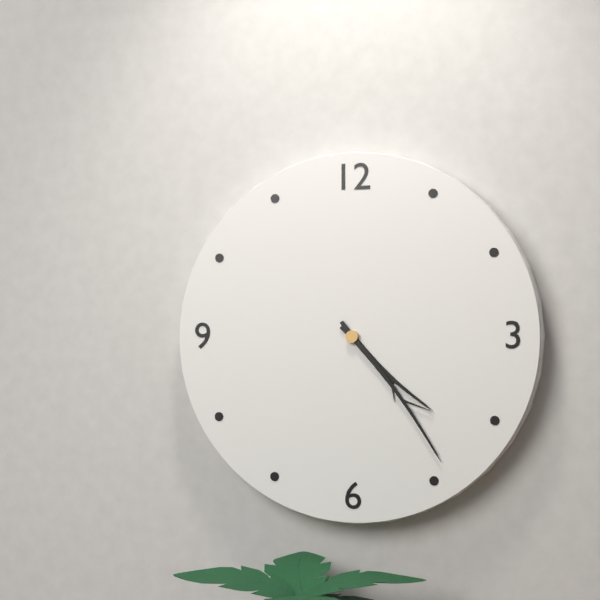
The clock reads 4,24
